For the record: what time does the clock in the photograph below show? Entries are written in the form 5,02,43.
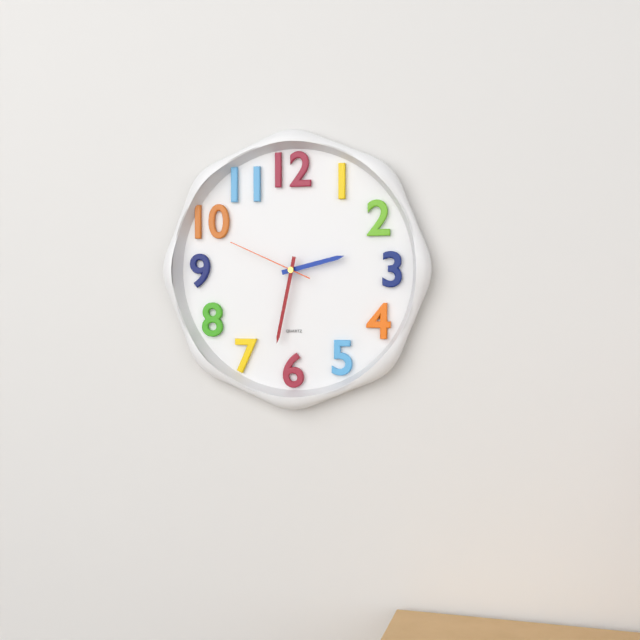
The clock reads 2,32,49
